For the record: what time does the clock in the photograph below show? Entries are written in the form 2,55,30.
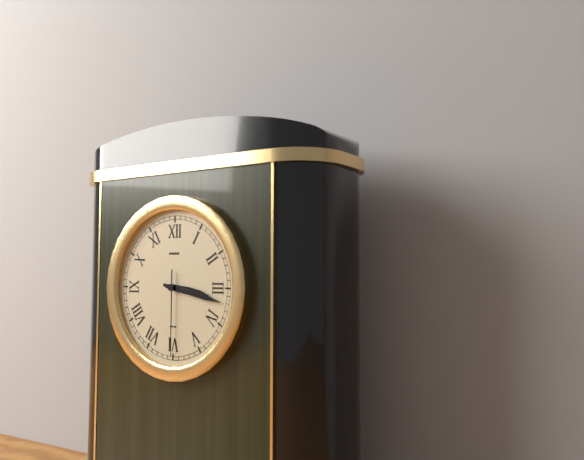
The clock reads 3,17,30
